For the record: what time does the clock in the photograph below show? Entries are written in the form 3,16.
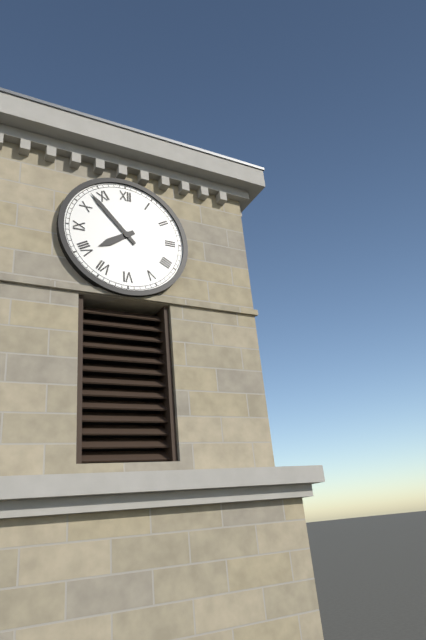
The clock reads 7,53
